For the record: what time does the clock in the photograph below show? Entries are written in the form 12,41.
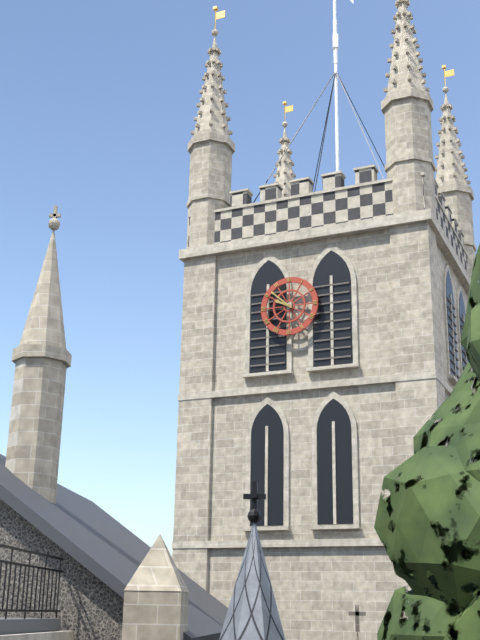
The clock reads 9,52
